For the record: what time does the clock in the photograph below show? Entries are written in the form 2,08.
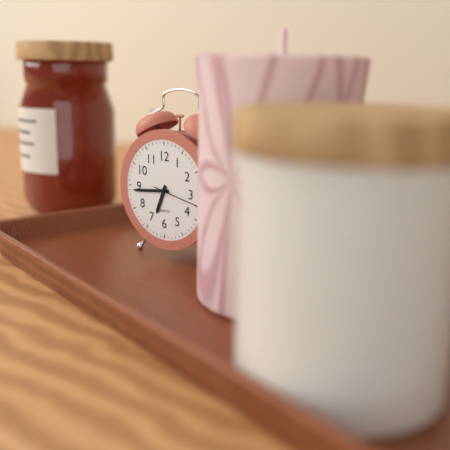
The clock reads 6,44
